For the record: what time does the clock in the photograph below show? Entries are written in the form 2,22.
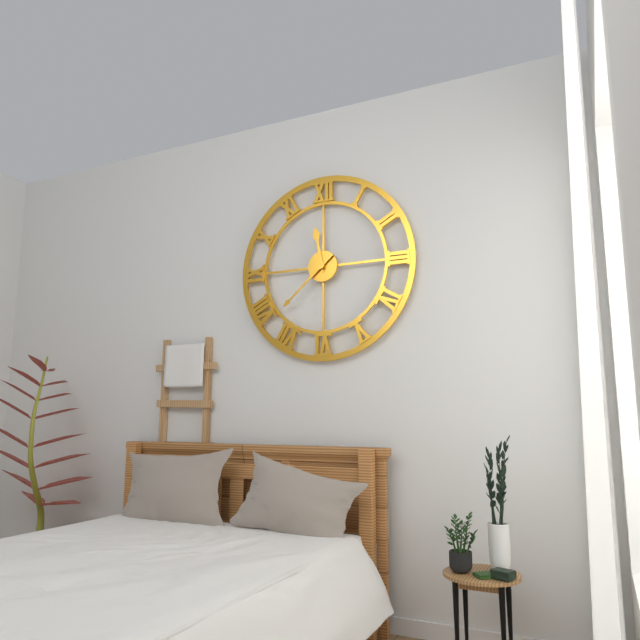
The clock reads 11,38
